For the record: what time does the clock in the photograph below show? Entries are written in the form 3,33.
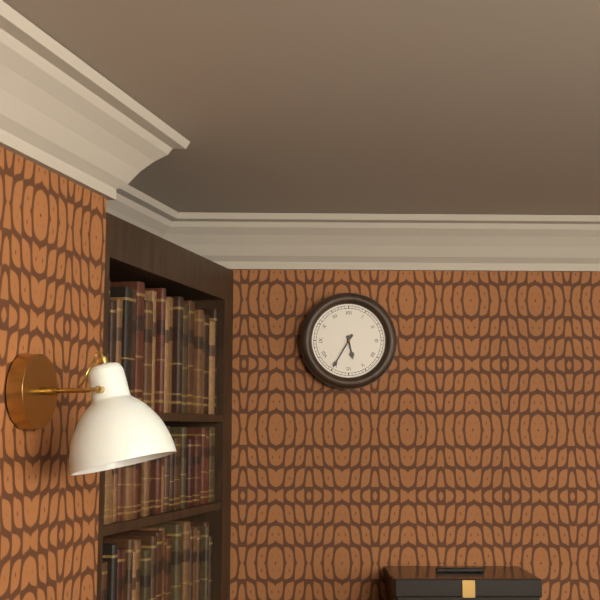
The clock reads 5,35
